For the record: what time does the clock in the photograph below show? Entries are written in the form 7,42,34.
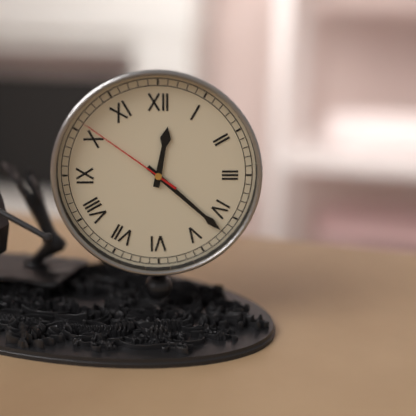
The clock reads 12,22,51
